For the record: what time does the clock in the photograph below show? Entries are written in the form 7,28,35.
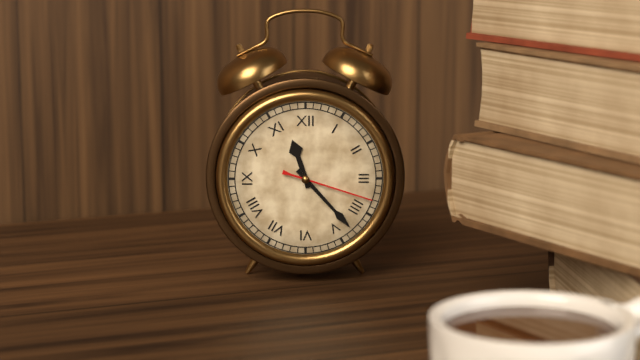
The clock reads 11,23,18
